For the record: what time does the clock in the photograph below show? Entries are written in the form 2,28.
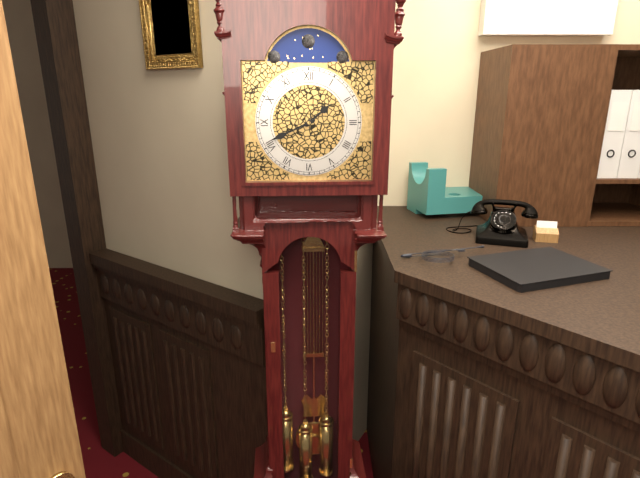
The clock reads 1,41
